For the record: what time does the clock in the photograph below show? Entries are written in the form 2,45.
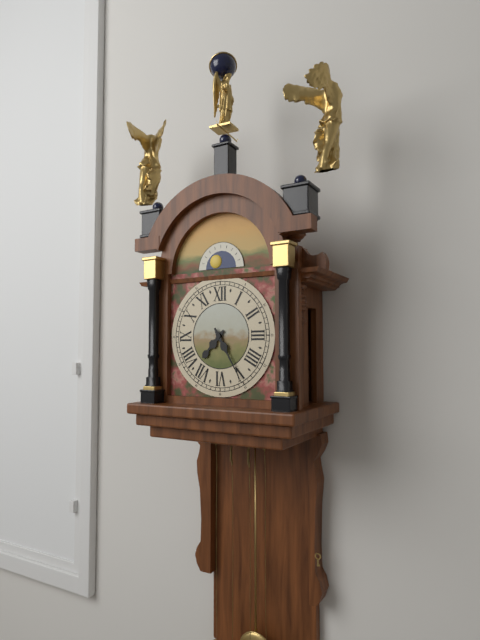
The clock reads 7,25
